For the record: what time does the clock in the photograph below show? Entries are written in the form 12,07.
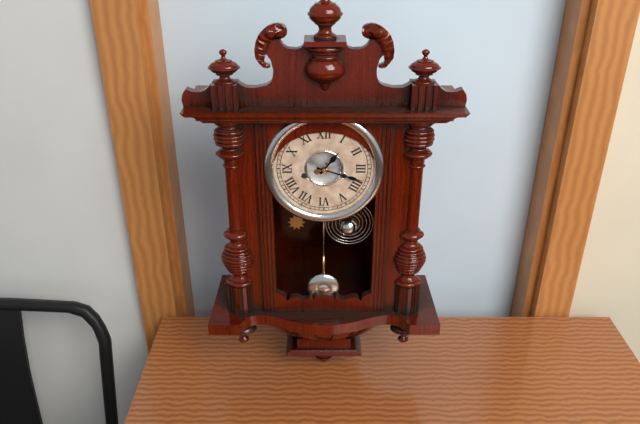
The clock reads 1,18
